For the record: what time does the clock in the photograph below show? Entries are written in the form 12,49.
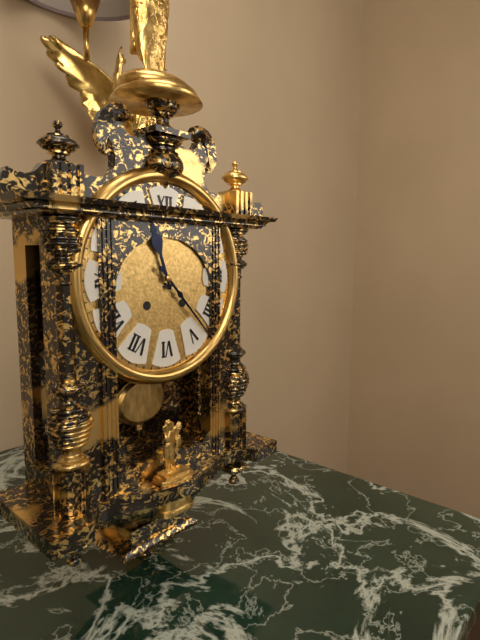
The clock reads 11,23
